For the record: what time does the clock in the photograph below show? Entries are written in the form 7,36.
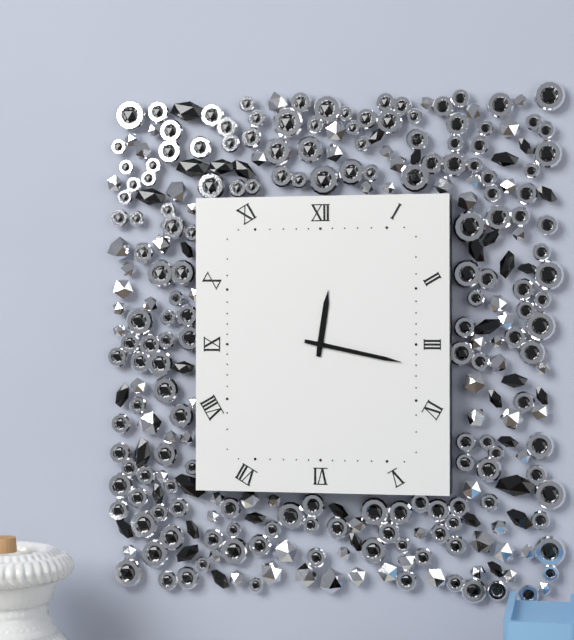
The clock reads 12,17
